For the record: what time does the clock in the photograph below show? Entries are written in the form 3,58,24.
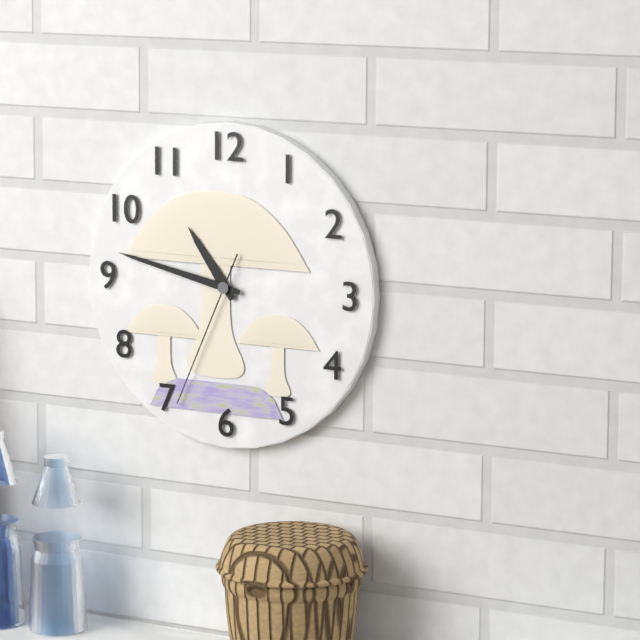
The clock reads 10,47,34
